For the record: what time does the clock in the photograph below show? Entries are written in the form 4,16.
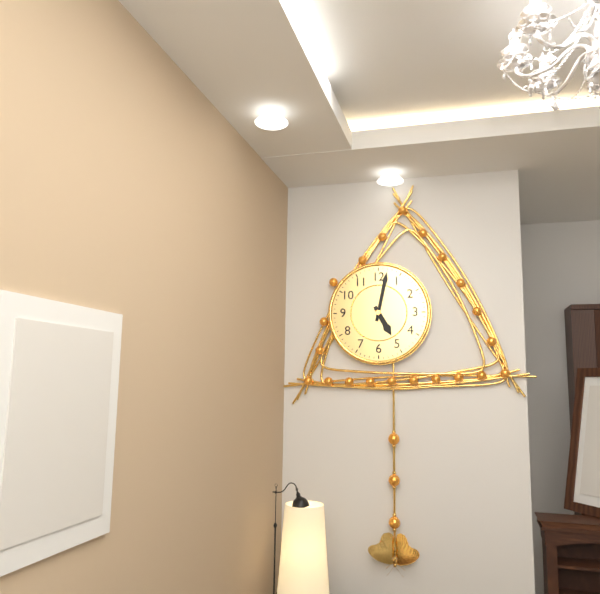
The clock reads 5,02
